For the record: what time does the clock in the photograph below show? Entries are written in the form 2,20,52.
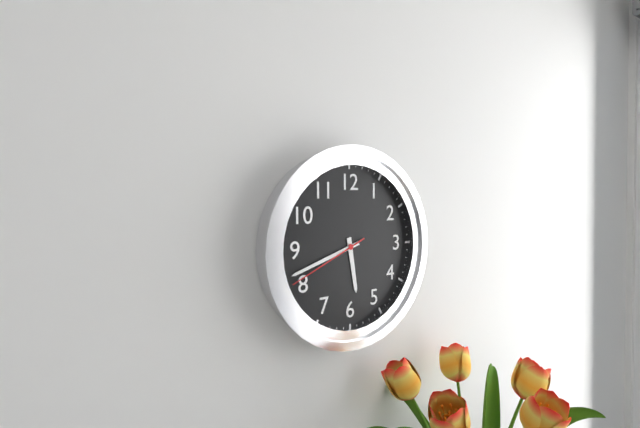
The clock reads 5,42,41
